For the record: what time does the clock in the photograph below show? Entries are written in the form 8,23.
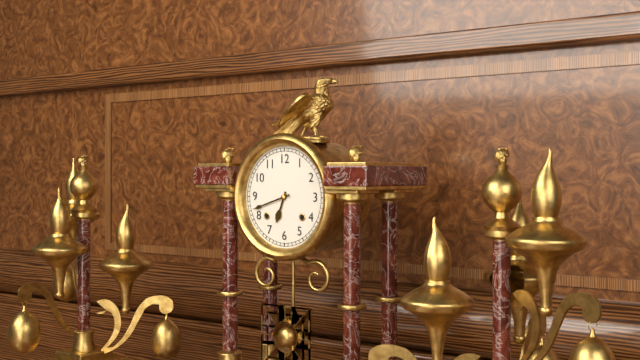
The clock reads 6,42
